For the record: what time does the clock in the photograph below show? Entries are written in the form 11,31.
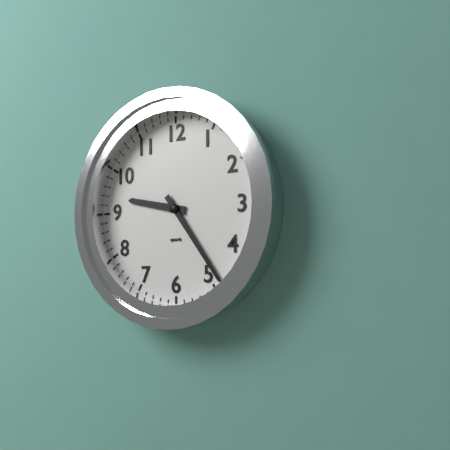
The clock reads 9,24
